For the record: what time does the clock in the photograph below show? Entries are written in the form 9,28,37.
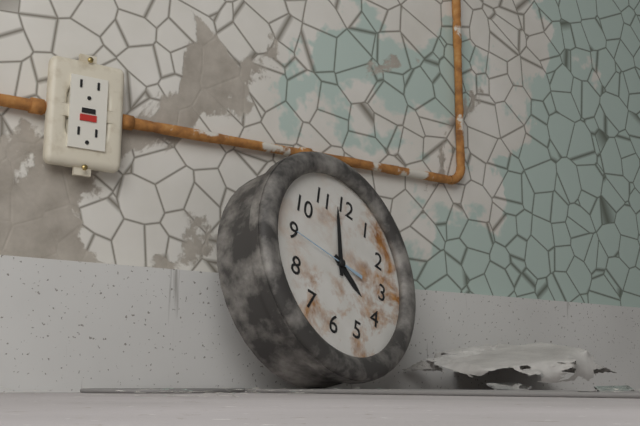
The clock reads 3,58,45
